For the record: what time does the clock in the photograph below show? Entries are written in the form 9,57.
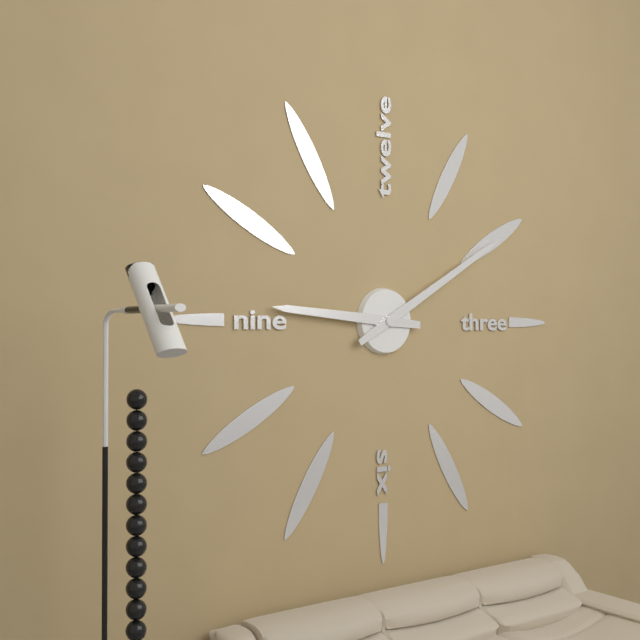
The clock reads 9,10
